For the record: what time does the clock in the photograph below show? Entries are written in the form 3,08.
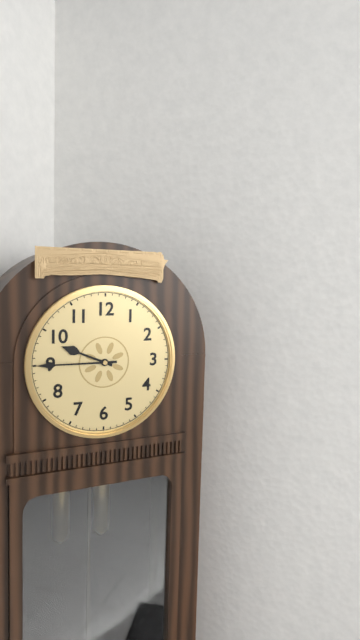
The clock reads 9,45
